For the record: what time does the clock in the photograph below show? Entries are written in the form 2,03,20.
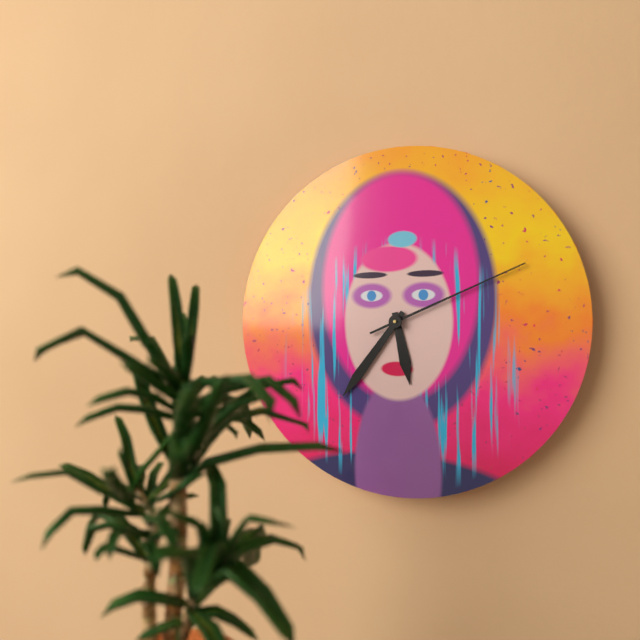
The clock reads 5,36,11
